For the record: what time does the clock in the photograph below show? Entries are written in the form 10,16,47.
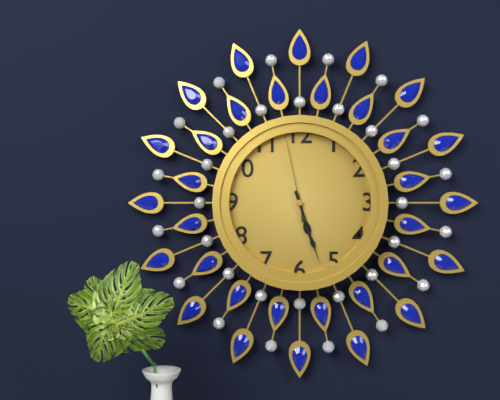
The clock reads 5,27,58
